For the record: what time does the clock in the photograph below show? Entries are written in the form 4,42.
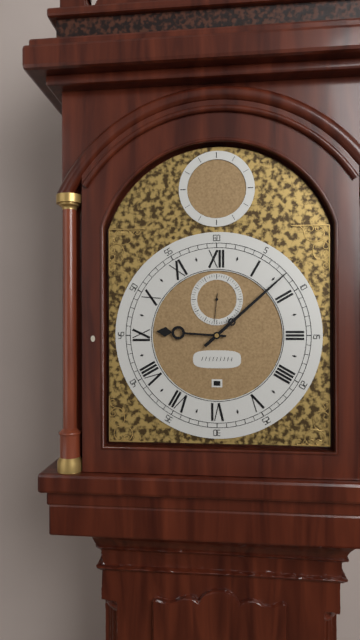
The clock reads 9,08
